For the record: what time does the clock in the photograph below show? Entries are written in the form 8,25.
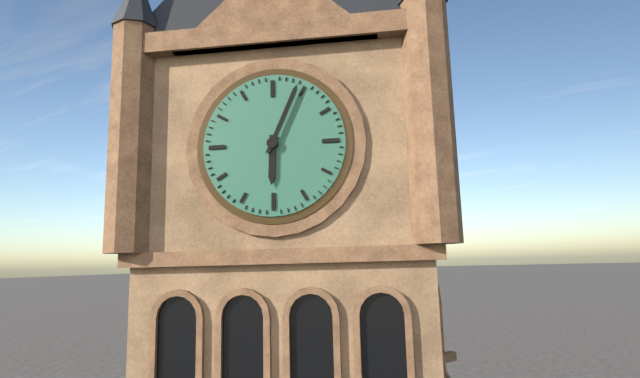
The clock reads 6,04
